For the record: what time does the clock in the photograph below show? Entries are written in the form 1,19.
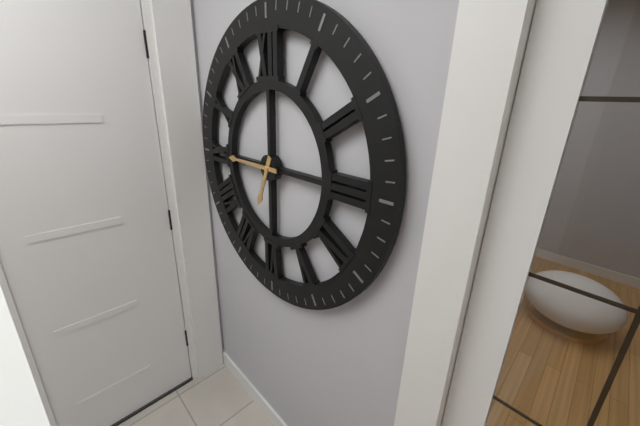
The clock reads 6,45
